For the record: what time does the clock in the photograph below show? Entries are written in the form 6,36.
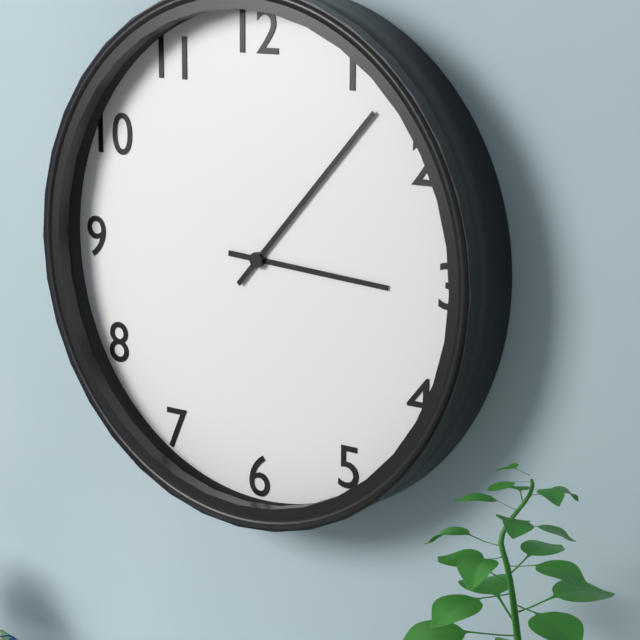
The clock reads 3,07
